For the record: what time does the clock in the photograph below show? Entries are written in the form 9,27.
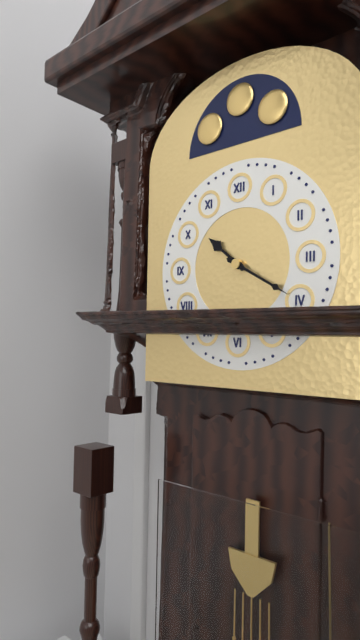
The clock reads 10,20
